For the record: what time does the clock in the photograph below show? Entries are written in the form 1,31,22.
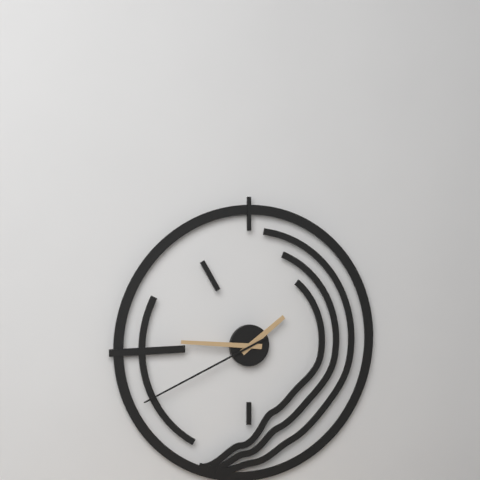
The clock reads 1,46,41
